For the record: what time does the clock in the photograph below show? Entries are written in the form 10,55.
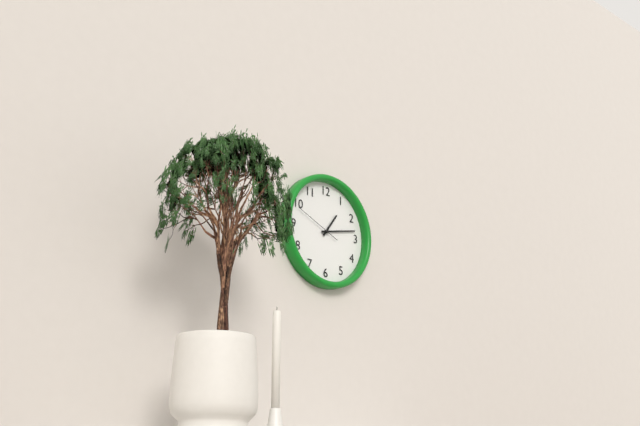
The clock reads 1,13
